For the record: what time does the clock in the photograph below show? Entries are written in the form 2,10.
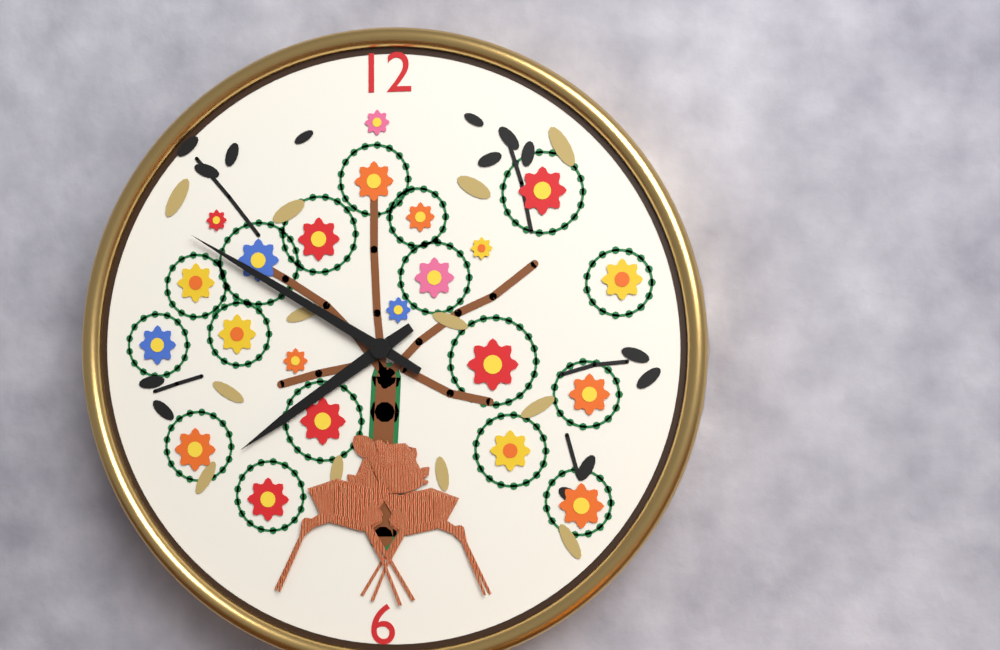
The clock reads 7,50
